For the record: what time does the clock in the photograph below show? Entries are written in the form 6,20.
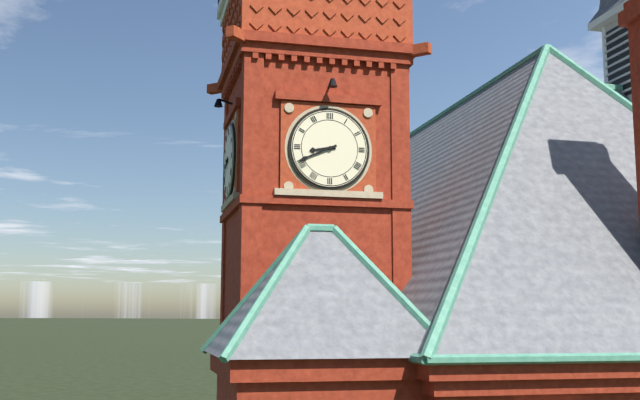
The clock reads 8,41
